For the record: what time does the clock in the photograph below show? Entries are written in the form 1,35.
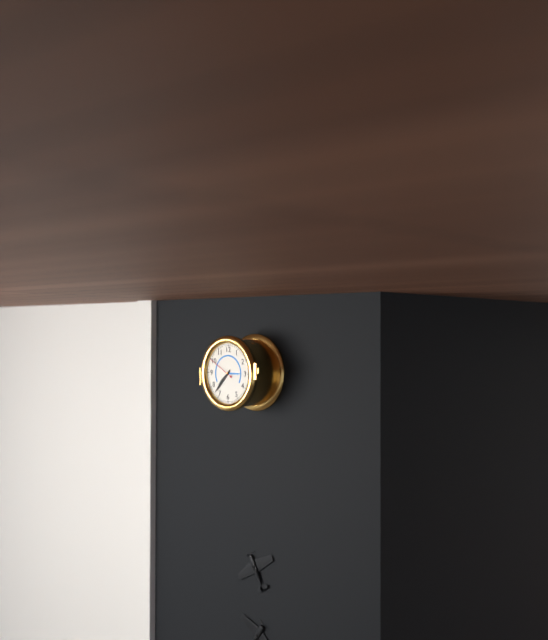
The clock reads 7,37
